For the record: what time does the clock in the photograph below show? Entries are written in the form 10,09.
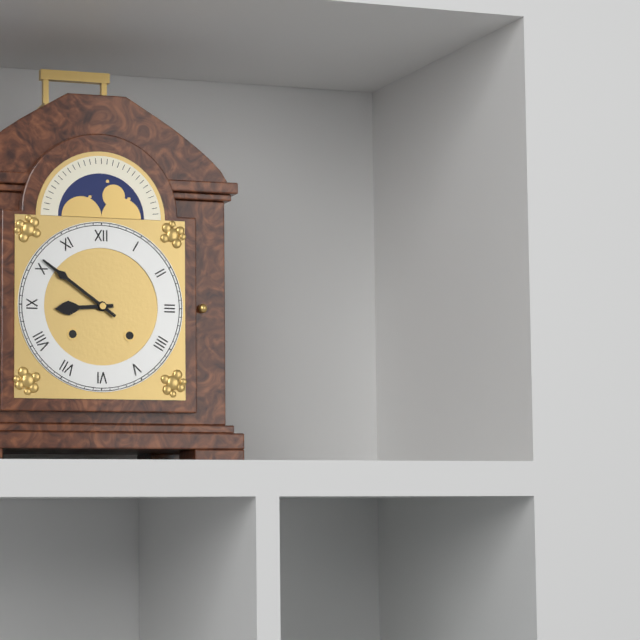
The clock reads 8,51
